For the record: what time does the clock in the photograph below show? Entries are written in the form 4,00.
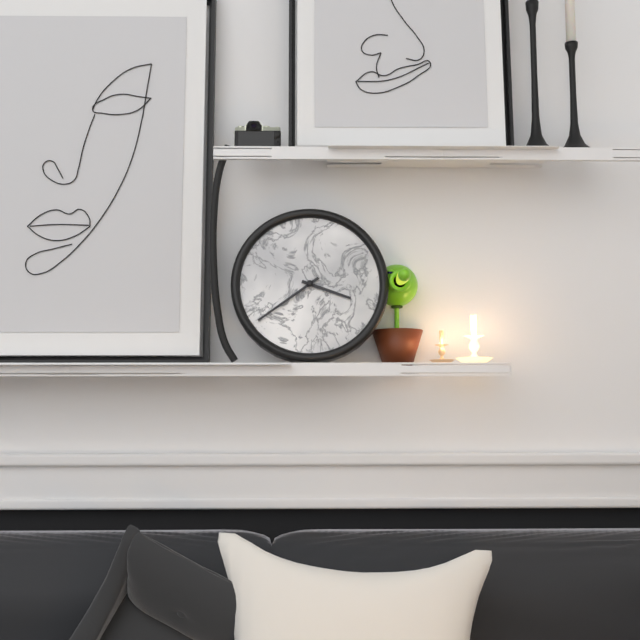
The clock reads 3,39
